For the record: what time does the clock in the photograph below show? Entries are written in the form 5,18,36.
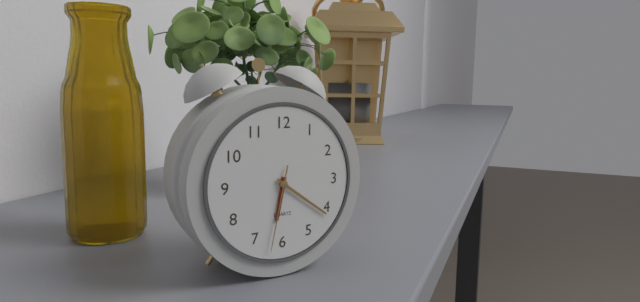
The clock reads 6,21,32
